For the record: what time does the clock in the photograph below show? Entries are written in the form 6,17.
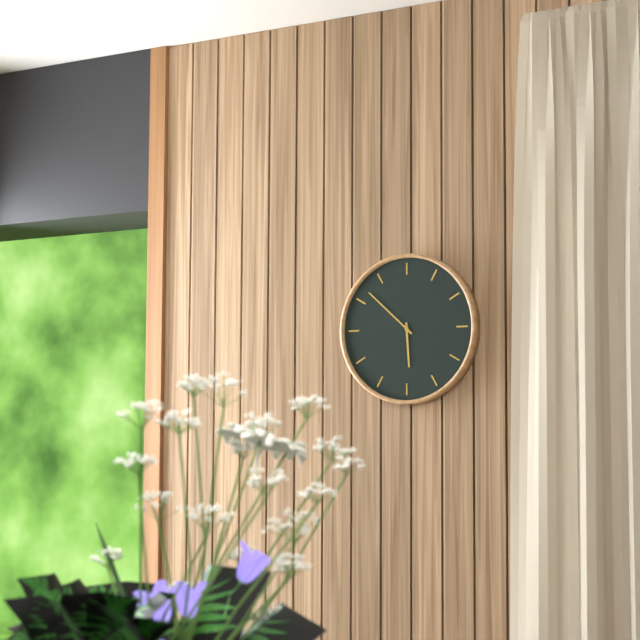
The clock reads 5,52
